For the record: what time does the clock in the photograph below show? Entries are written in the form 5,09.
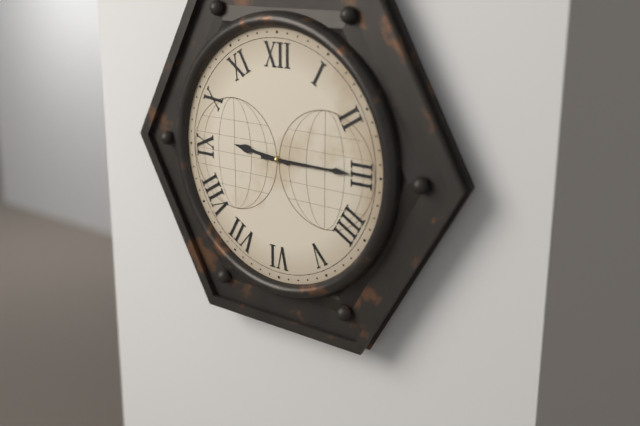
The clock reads 9,15
